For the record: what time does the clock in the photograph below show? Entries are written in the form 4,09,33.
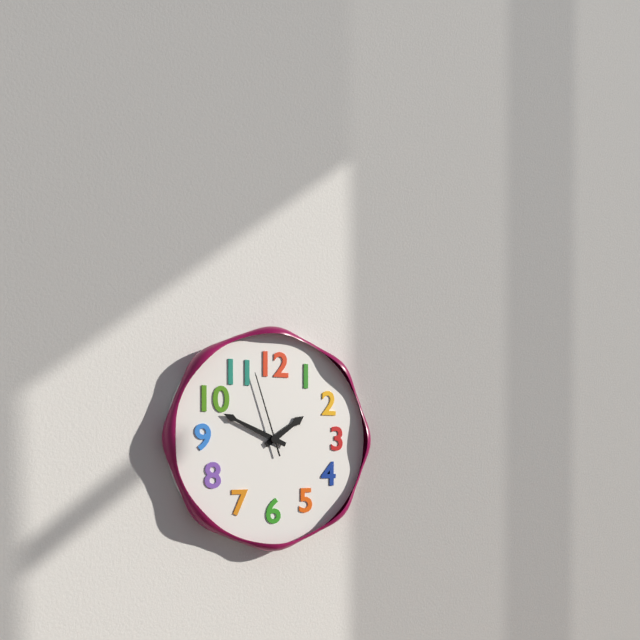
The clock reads 1,49,57
